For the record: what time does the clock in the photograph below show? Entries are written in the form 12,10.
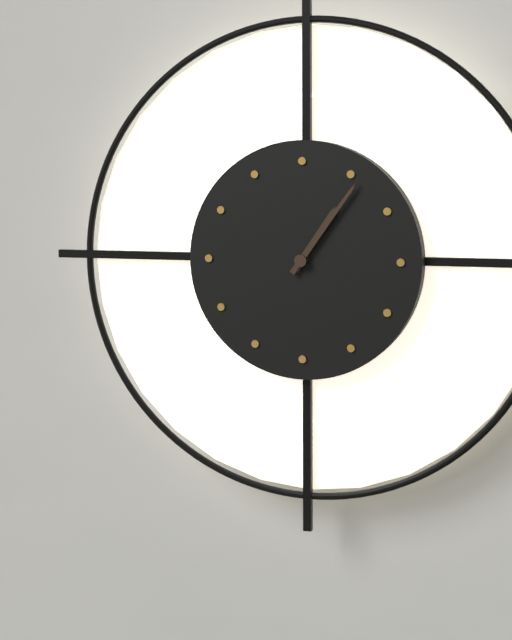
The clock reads 1,06
